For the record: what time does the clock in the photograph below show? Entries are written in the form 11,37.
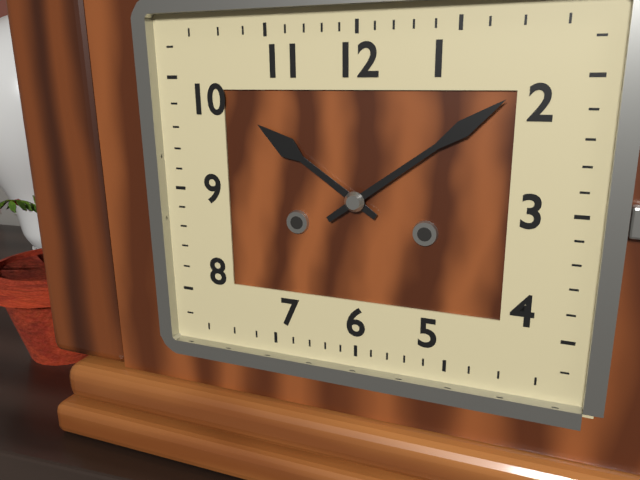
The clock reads 10,09
